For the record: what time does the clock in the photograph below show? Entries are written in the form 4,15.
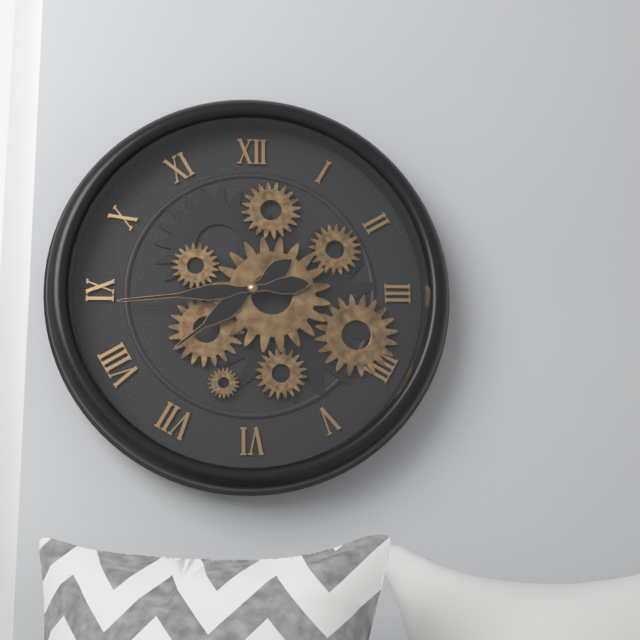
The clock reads 7,44
